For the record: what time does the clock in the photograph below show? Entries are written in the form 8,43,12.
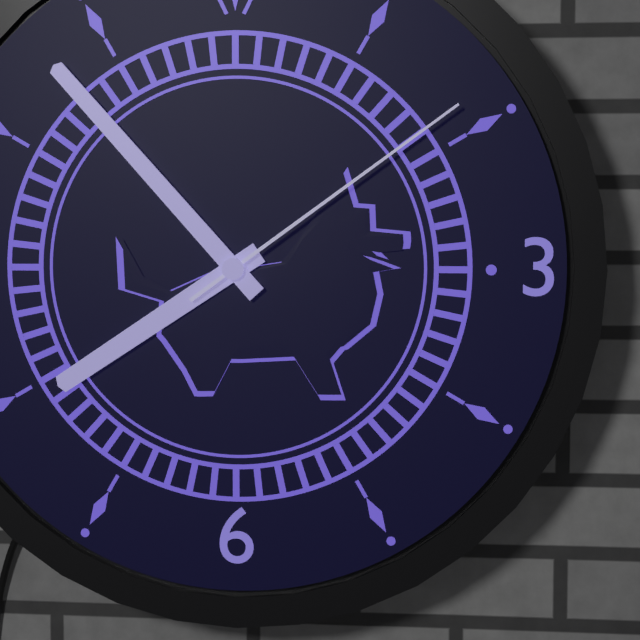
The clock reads 7,53,09
